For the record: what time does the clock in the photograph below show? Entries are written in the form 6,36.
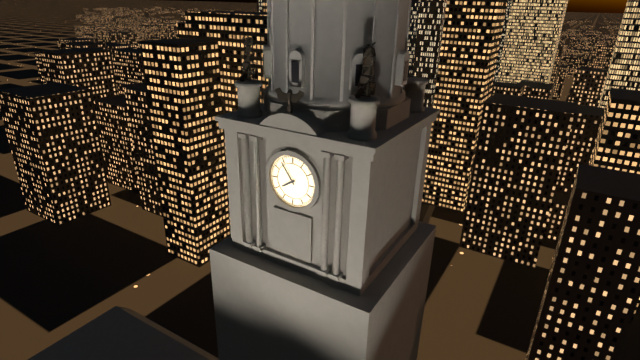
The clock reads 7,54
